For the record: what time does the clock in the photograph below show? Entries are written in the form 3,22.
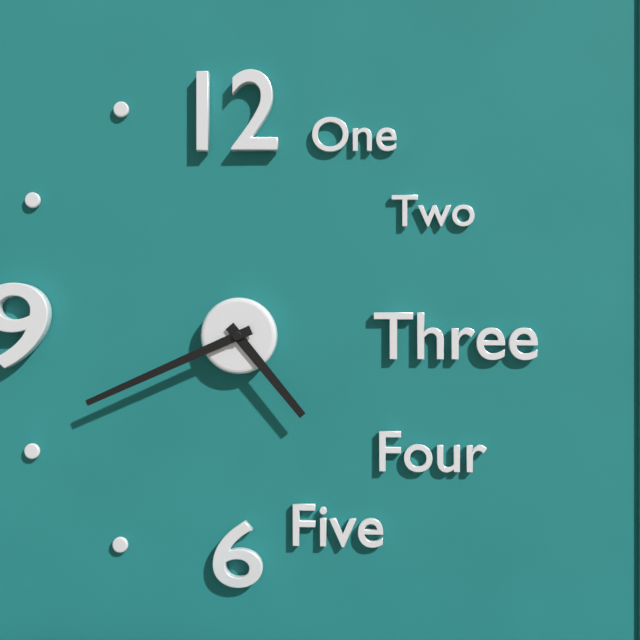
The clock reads 4,41
